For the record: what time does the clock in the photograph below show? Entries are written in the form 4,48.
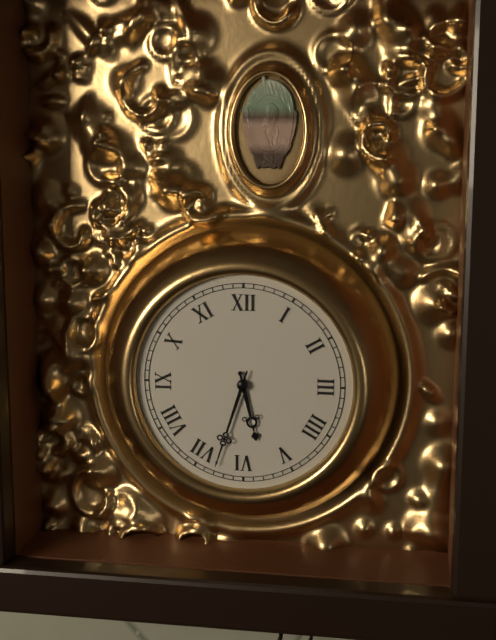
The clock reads 5,33
